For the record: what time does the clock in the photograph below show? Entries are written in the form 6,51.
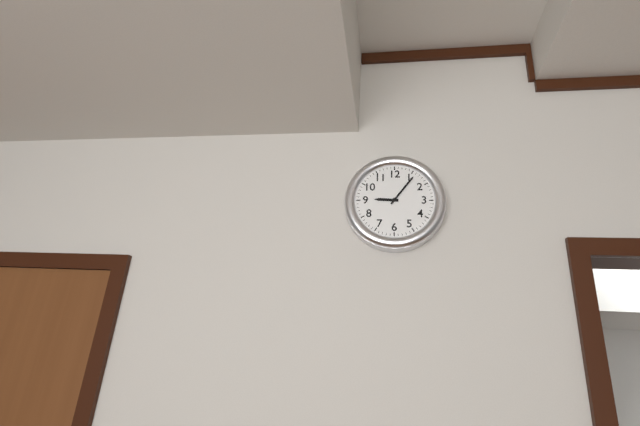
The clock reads 9,06
